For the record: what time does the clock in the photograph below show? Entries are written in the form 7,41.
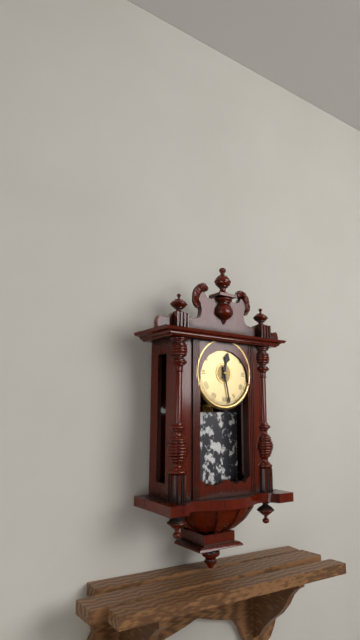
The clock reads 12,28
